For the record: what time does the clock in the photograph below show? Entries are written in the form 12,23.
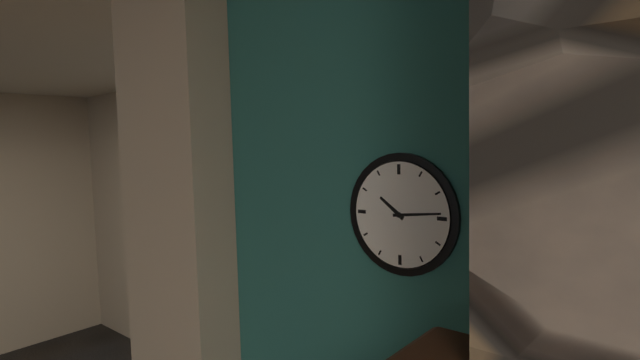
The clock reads 10,14
